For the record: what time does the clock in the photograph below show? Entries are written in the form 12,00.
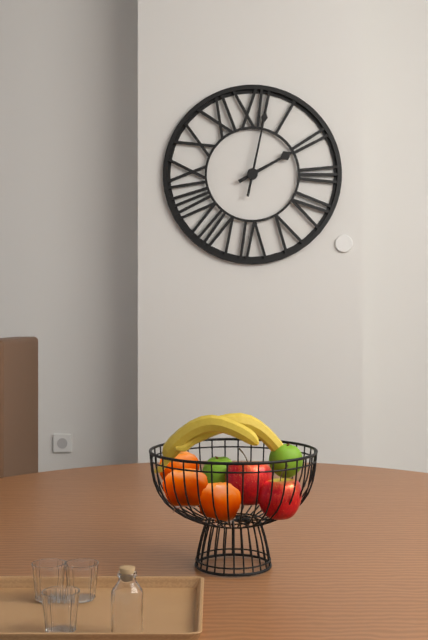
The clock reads 2,02
